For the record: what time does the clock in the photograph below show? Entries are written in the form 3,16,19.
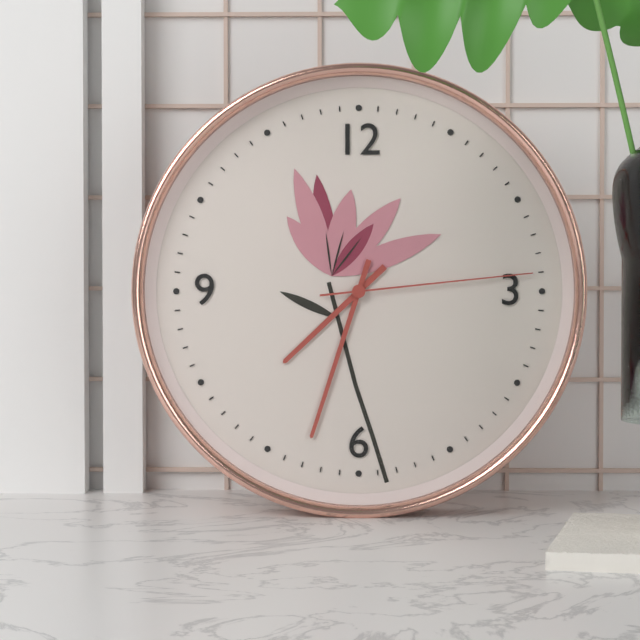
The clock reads 7,33,14
